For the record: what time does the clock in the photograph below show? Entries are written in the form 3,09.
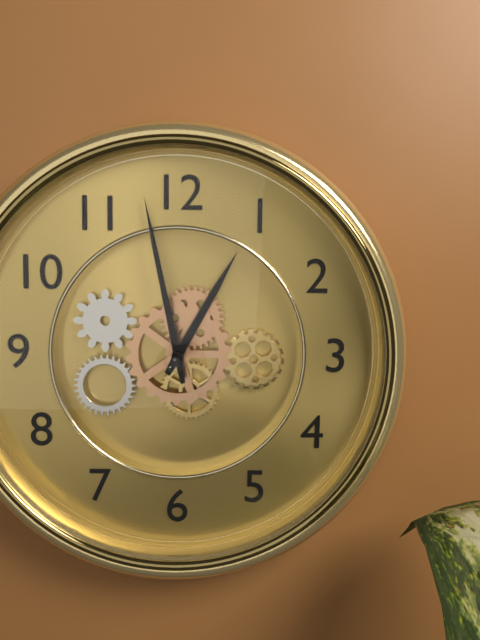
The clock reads 12,58
